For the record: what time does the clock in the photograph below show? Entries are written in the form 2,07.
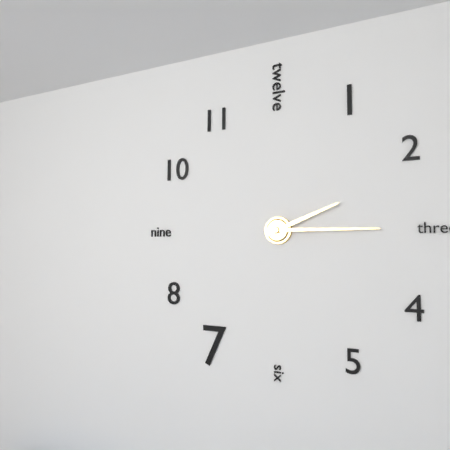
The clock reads 2,15
